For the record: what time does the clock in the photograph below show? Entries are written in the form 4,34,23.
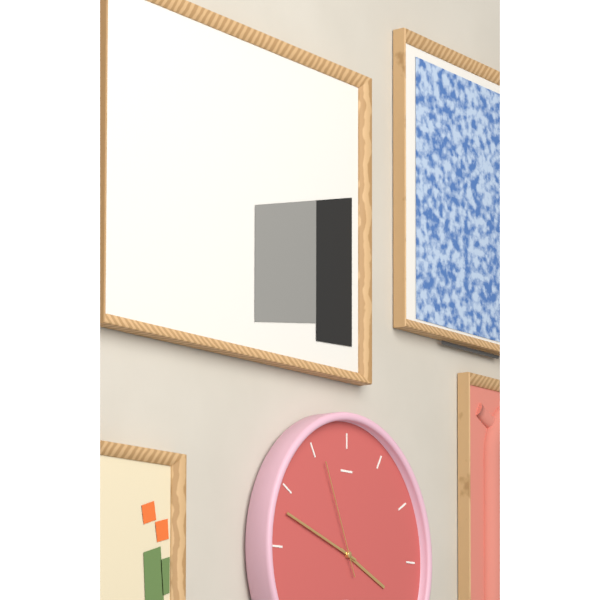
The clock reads 3,48,56
